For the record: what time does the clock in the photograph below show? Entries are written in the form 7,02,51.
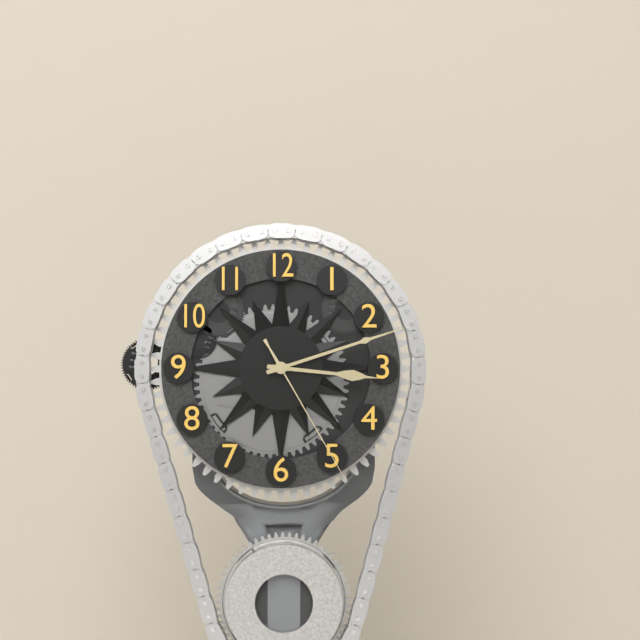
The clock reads 3,12,25
